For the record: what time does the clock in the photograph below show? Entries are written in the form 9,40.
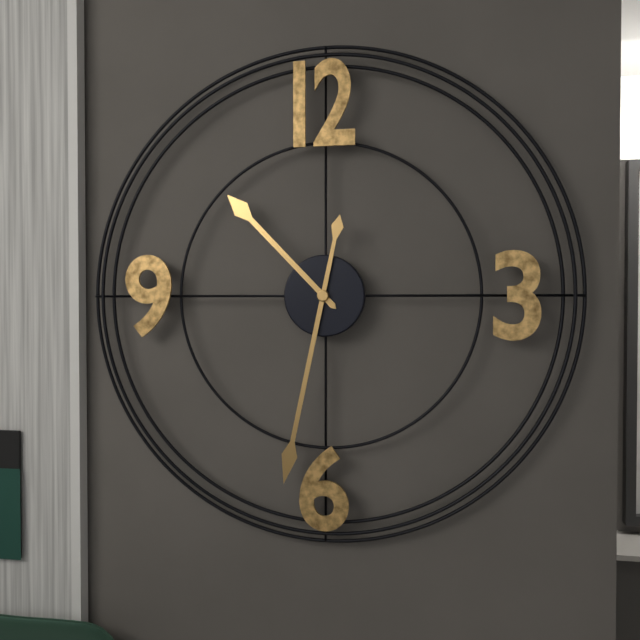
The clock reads 10,32
